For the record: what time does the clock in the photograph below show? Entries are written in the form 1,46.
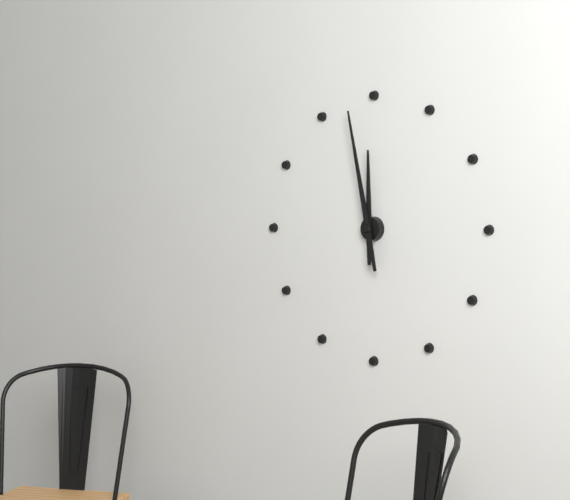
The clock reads 11,58
